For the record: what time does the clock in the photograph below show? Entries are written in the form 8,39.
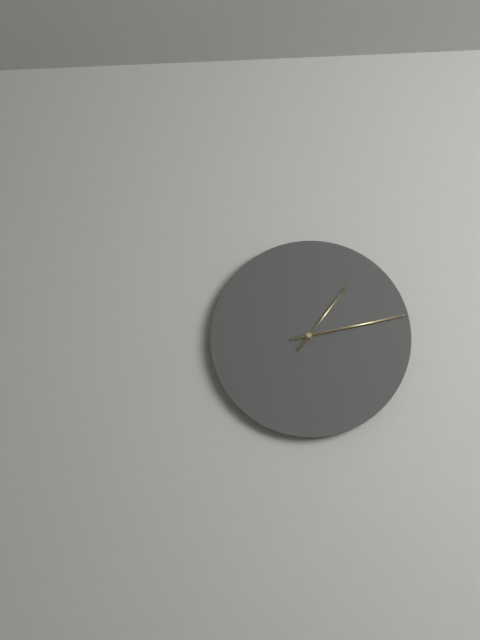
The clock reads 1,13
